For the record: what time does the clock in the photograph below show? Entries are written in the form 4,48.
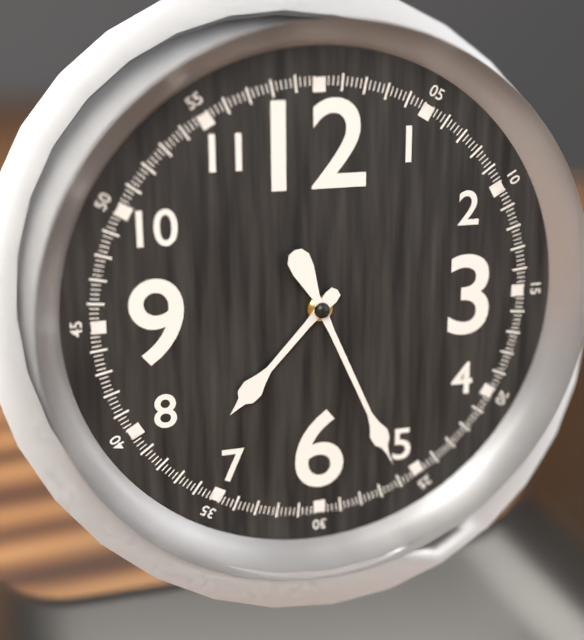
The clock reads 7,26
